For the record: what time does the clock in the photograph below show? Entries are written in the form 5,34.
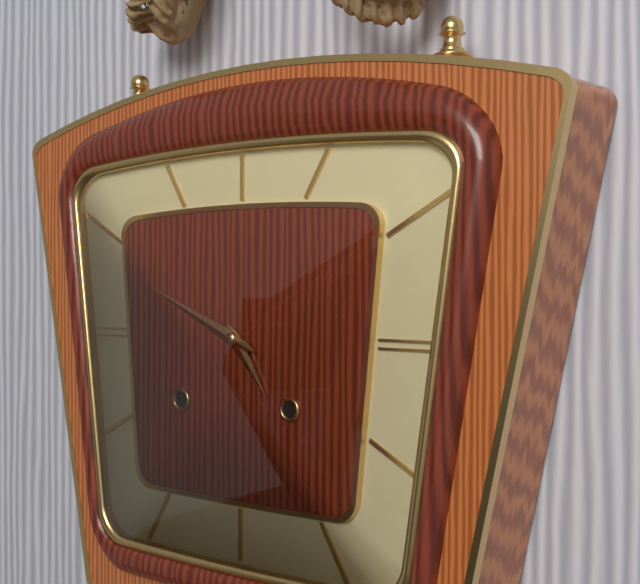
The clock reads 4,49
